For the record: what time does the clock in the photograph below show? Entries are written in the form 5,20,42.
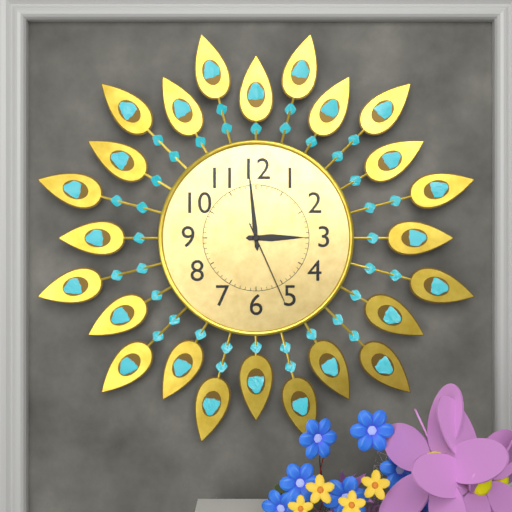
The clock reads 2,59,26
